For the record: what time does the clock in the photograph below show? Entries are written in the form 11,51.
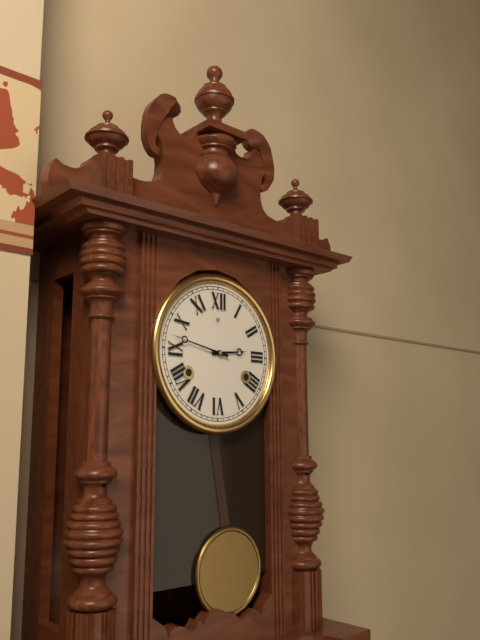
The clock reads 2,47
